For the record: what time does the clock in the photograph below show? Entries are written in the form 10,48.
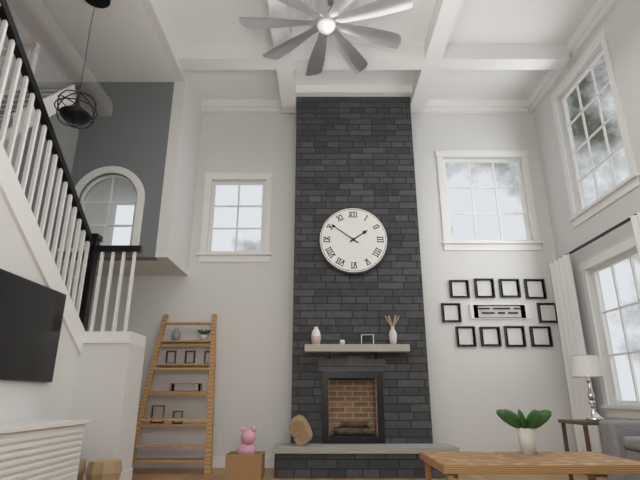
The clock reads 1,51
